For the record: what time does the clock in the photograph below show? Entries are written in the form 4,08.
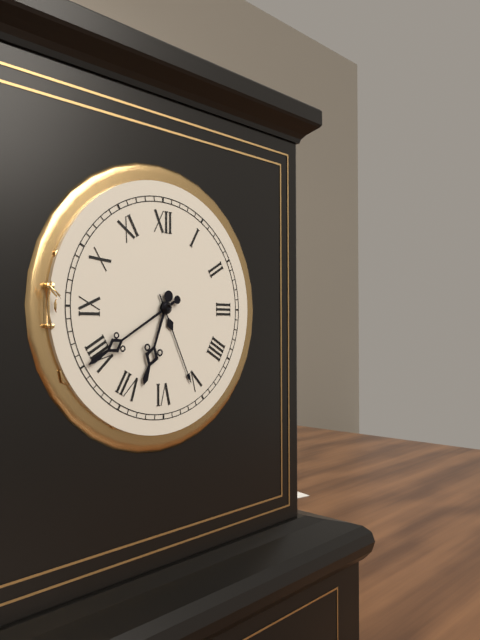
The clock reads 6,40
